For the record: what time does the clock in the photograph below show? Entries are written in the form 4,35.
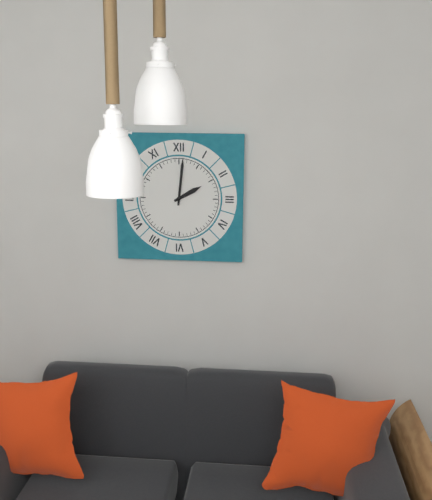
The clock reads 2,01
